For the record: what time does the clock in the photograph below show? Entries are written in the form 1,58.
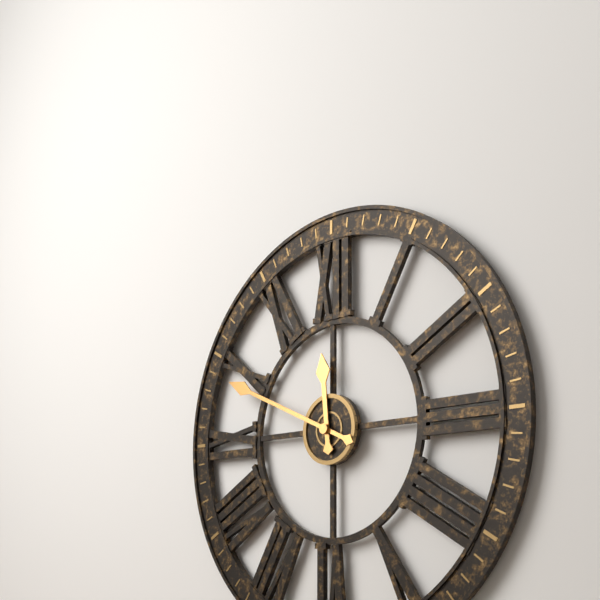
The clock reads 11,49
